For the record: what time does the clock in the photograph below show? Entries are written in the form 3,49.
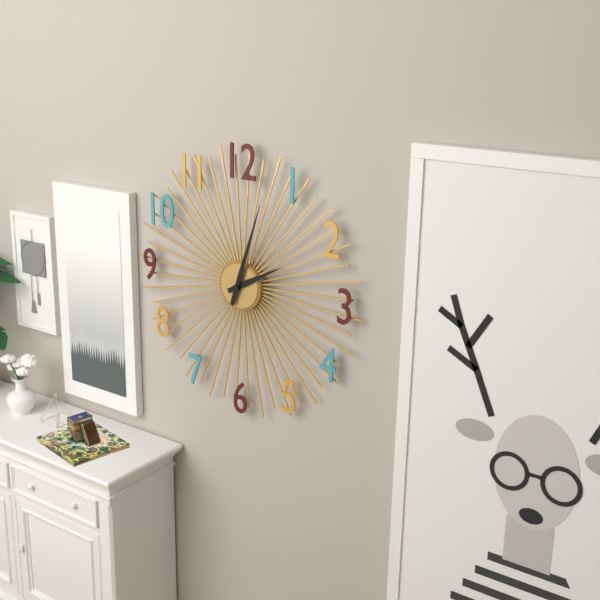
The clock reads 2,03
